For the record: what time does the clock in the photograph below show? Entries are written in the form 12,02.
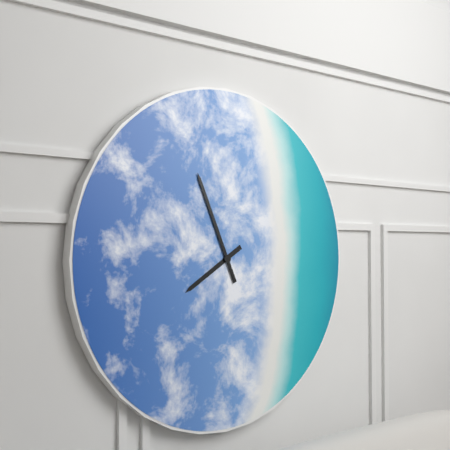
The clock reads 7,56
